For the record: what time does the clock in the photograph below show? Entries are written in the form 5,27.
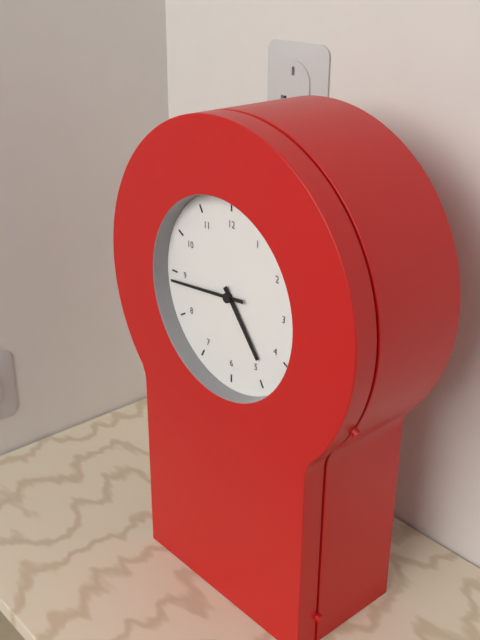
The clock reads 4,44
